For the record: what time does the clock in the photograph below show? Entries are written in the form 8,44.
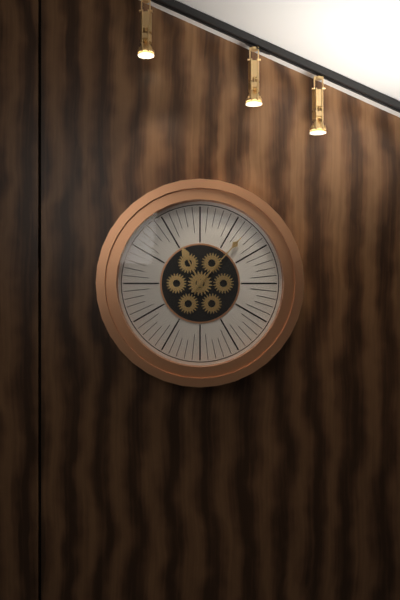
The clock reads 11,07
